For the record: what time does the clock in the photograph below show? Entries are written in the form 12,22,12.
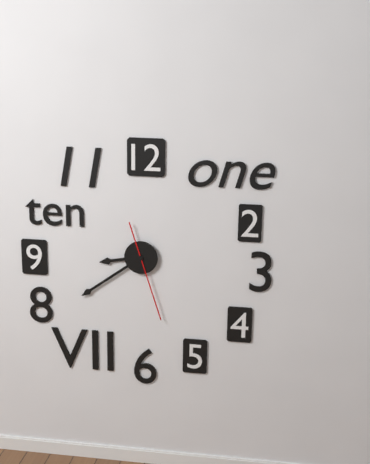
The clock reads 8,39,27
